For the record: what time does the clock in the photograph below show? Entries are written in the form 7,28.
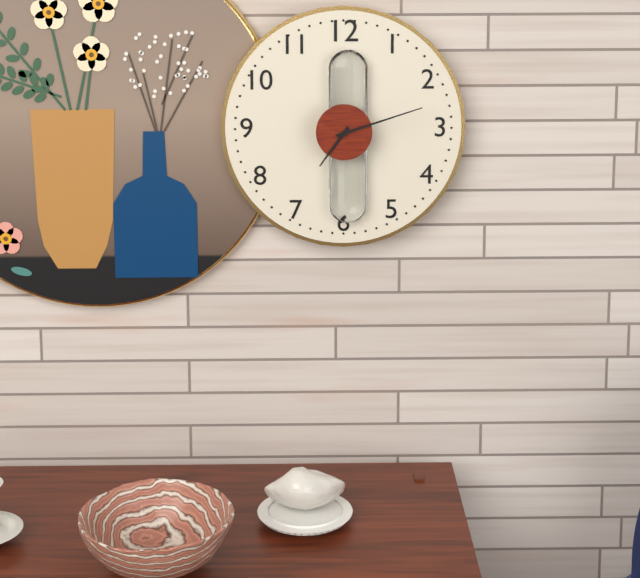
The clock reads 7,12
